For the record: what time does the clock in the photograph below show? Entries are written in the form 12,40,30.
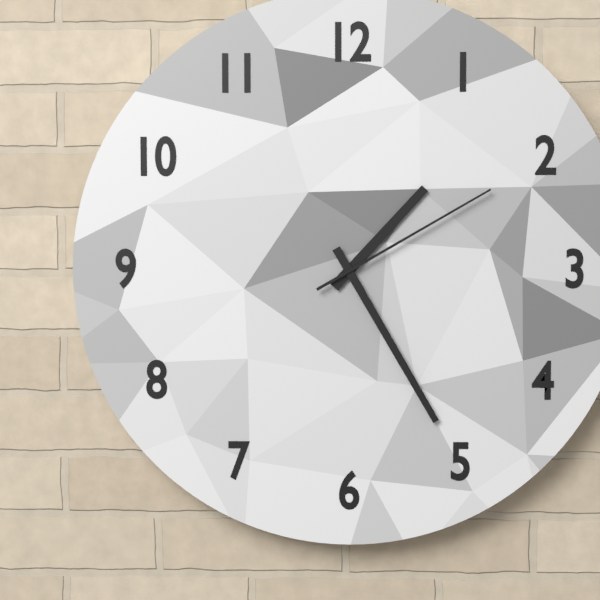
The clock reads 1,25,10
